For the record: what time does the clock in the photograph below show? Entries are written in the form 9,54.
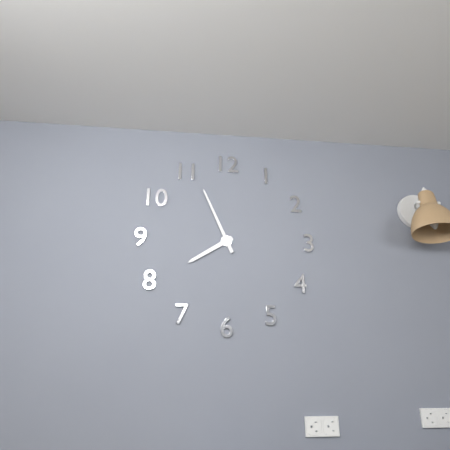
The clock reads 7,56
